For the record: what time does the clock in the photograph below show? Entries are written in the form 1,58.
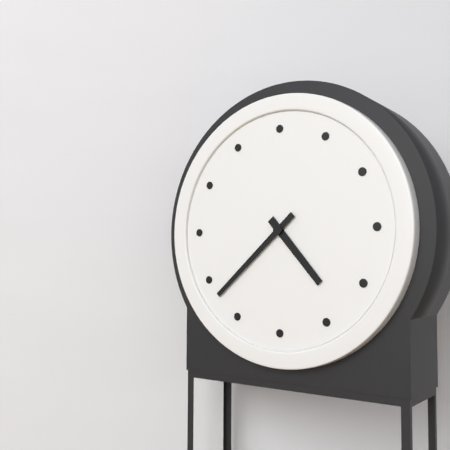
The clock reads 4,38
